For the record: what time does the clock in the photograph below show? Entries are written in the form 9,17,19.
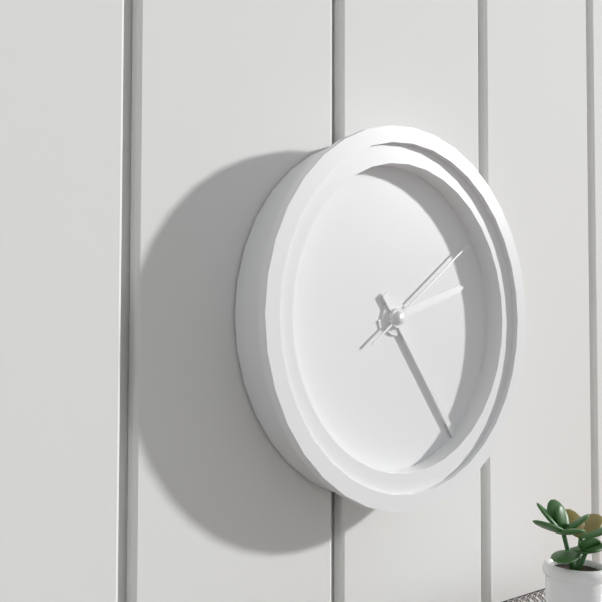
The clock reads 2,24,09
